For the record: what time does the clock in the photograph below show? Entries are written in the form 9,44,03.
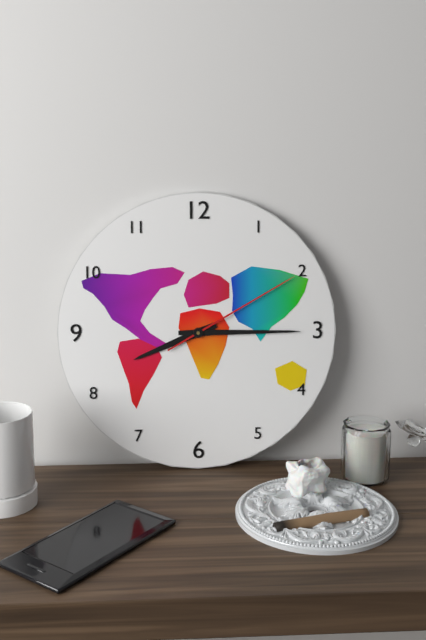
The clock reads 8,15,10
